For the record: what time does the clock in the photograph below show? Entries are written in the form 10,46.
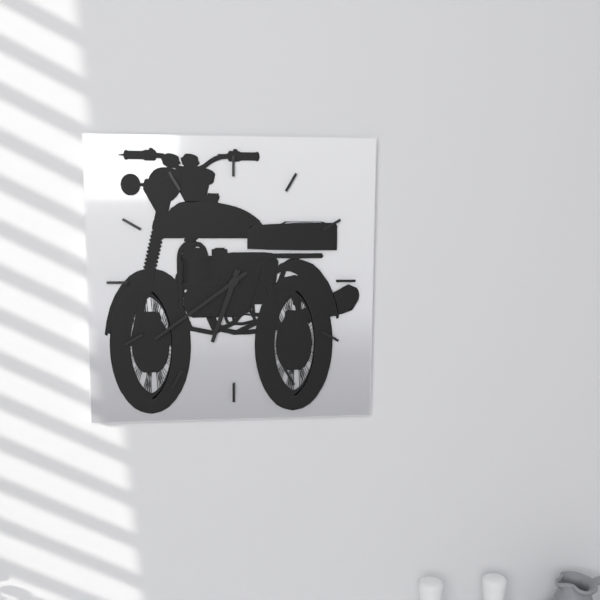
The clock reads 6,39
